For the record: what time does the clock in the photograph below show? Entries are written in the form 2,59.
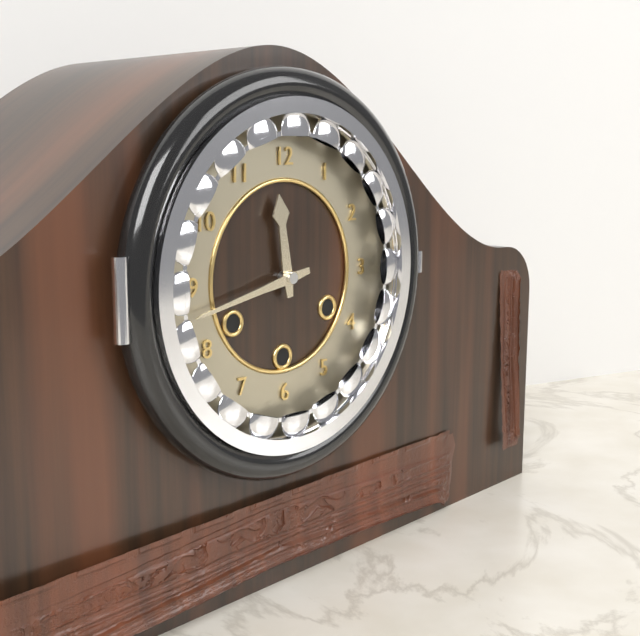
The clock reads 11,43
